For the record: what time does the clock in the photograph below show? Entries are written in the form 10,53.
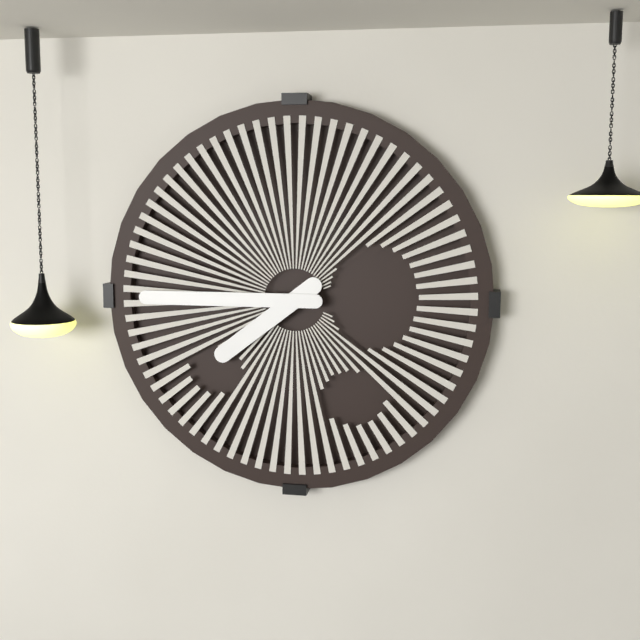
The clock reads 7,45
